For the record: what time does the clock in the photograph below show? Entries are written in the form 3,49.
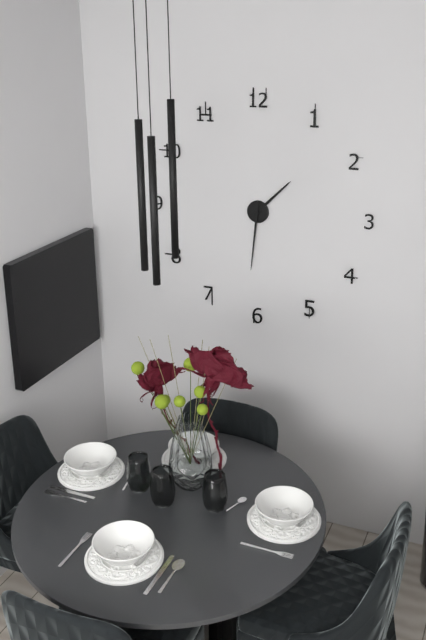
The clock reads 1,31
